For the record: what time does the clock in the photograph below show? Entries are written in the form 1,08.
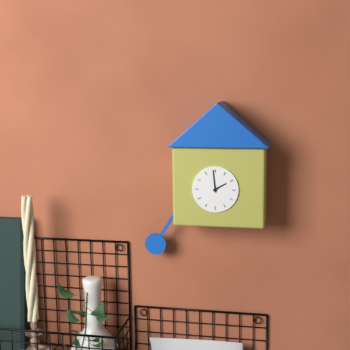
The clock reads 1,59
